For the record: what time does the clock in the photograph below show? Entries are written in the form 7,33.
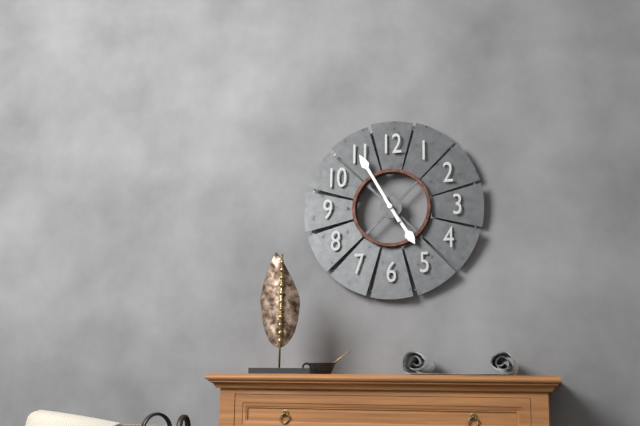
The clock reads 4,55
